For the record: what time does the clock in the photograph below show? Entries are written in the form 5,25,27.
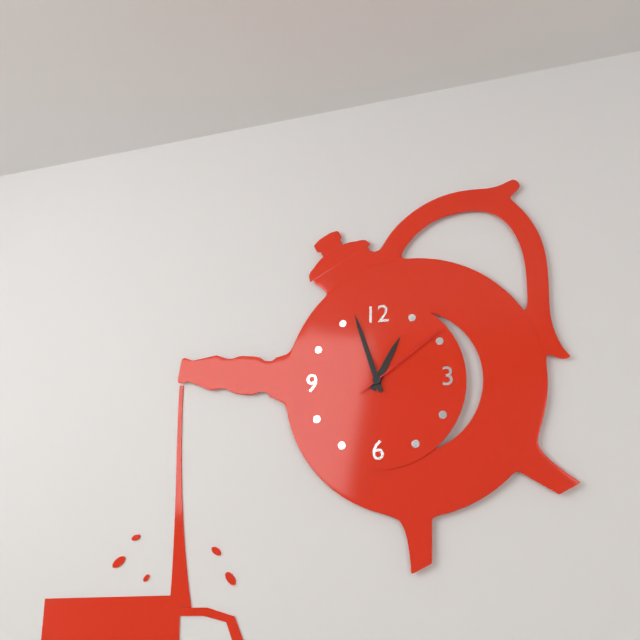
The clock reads 12,57,09
